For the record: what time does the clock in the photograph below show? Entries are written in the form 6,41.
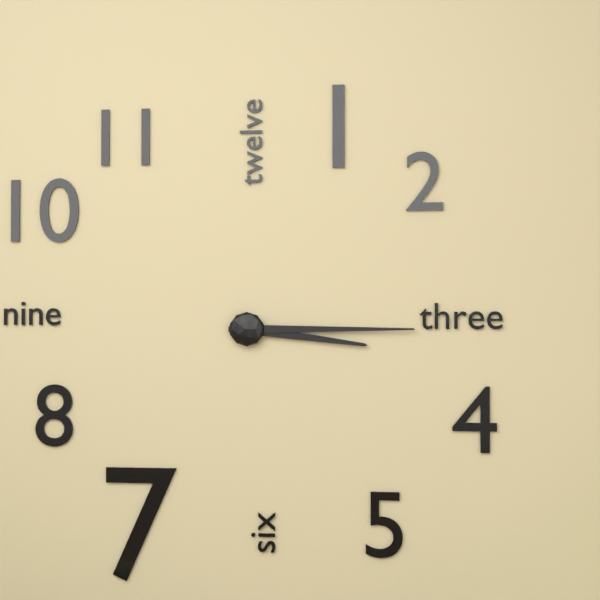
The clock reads 3,15
